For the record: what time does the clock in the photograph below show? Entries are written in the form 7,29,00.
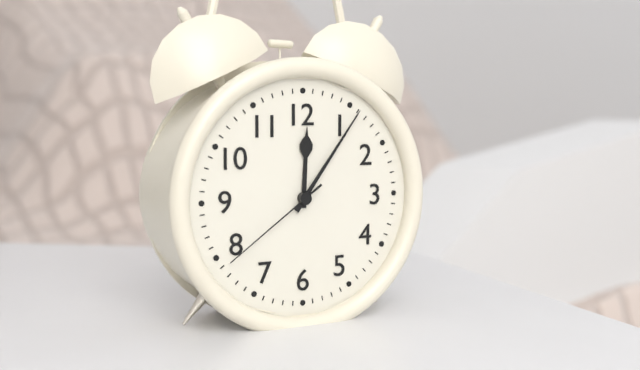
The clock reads 12,06,39
